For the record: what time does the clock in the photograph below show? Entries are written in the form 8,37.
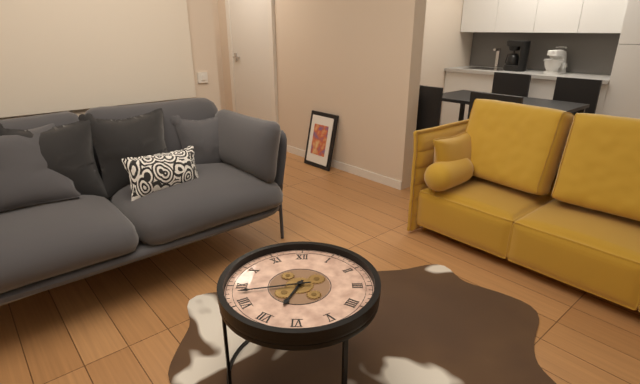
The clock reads 6,43
